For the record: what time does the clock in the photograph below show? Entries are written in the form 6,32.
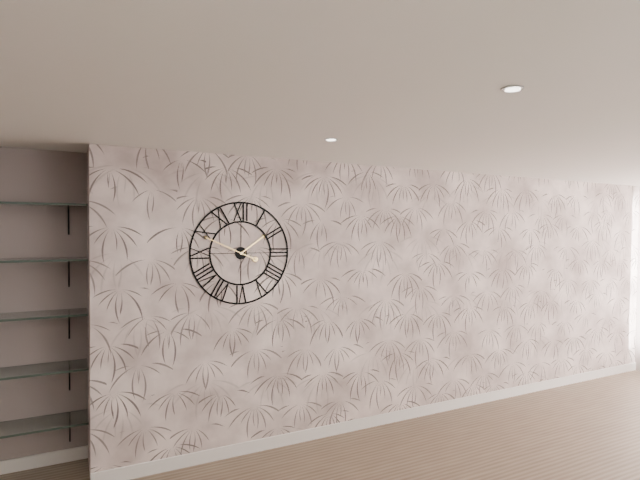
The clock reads 1,49
